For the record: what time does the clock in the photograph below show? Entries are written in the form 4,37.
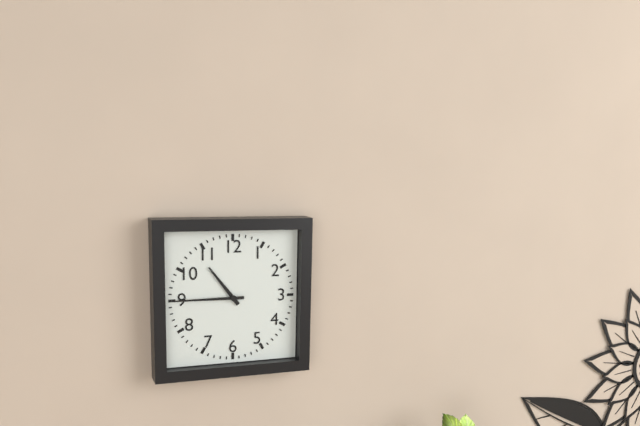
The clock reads 10,45
